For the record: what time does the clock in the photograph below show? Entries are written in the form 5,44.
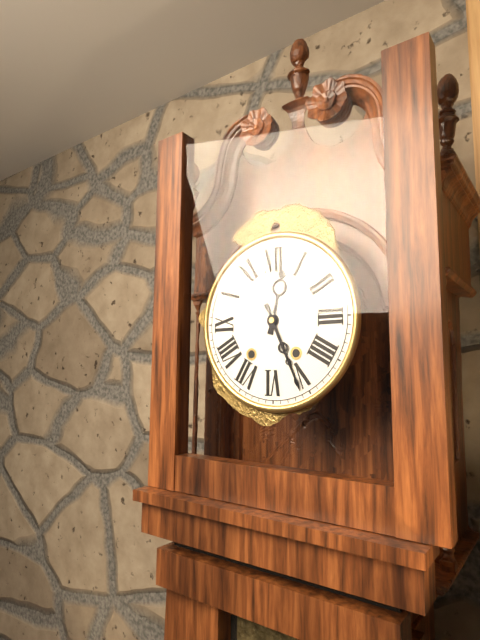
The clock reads 12,26
